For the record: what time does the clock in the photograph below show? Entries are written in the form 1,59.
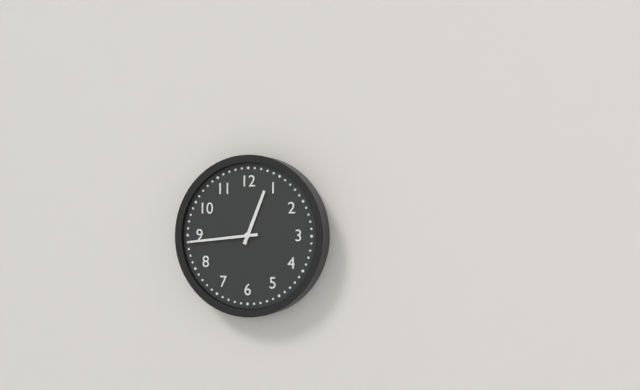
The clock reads 12,44
